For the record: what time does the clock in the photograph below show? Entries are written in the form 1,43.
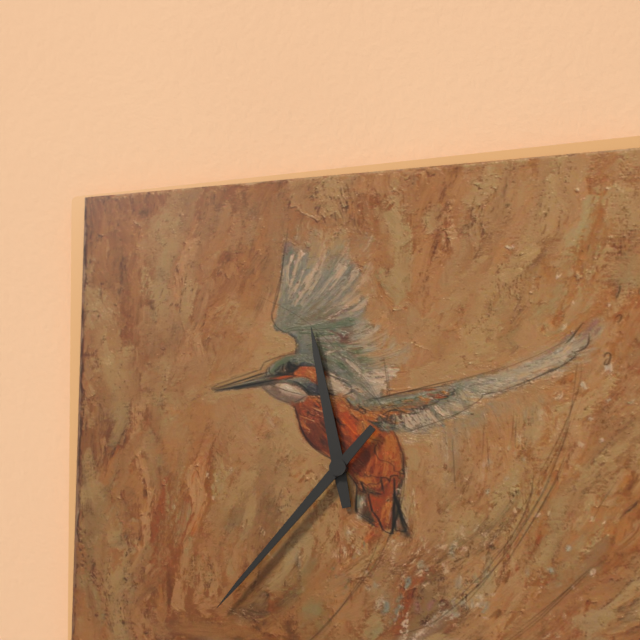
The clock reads 11,37
